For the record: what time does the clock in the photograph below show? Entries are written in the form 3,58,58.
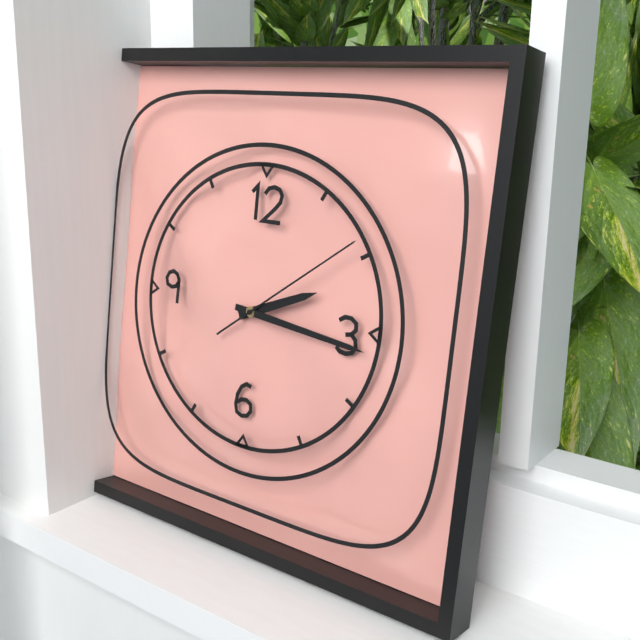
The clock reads 2,16,09
